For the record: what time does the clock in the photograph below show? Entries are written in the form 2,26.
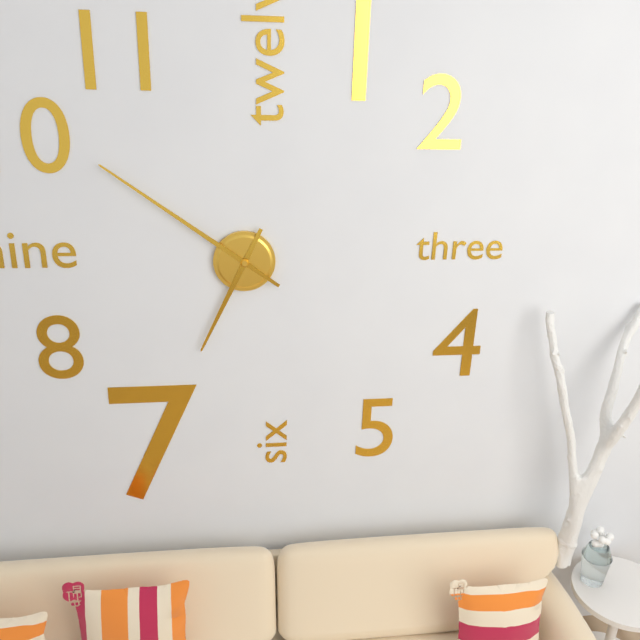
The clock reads 6,51
